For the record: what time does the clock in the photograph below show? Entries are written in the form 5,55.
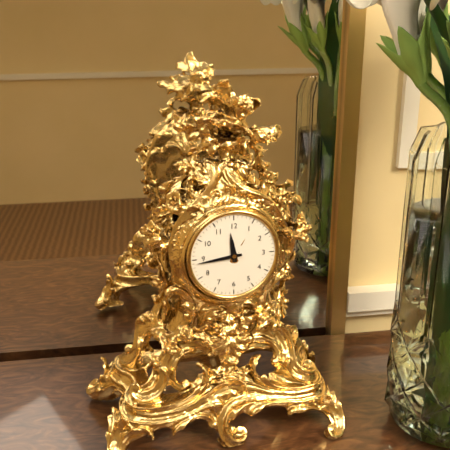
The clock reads 11,44
